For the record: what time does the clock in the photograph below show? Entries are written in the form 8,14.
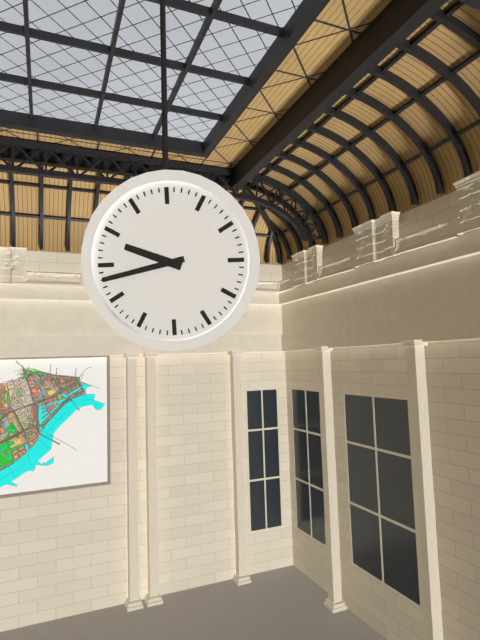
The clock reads 9,43
